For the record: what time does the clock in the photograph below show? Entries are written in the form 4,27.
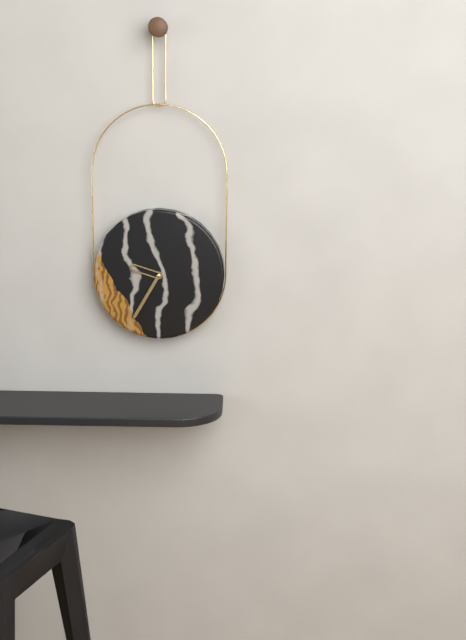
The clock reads 9,35
